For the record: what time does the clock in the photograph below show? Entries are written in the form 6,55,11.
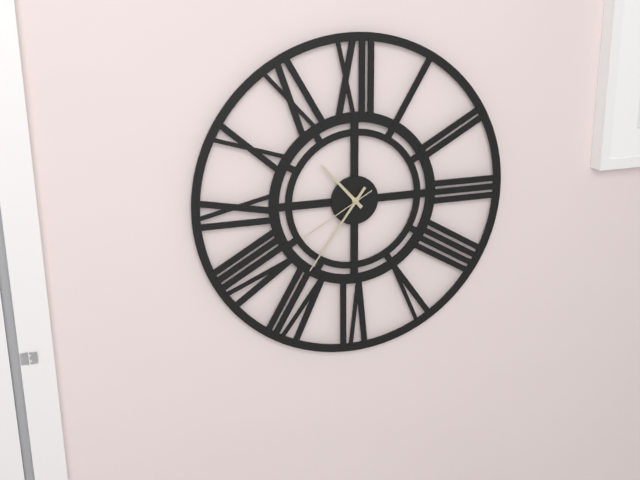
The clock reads 10,36,40
